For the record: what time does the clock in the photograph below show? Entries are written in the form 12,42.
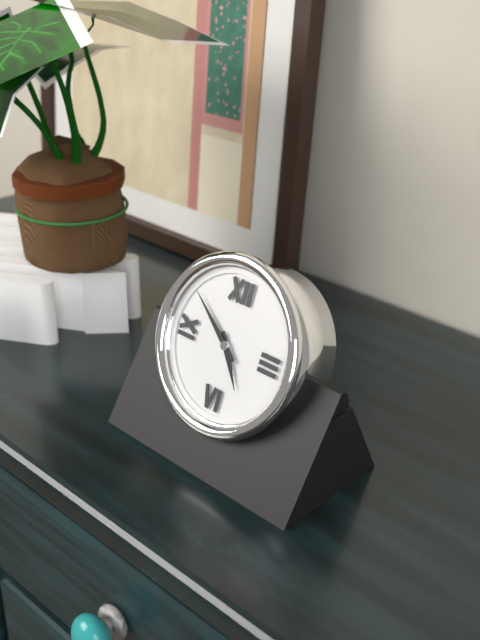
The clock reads 4,51
